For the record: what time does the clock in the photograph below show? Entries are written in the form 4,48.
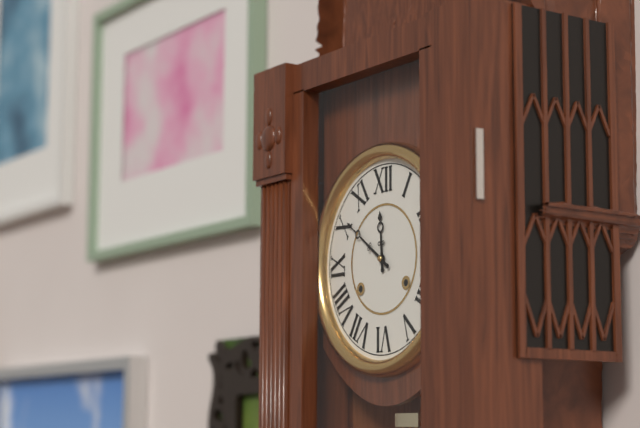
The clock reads 11,51
